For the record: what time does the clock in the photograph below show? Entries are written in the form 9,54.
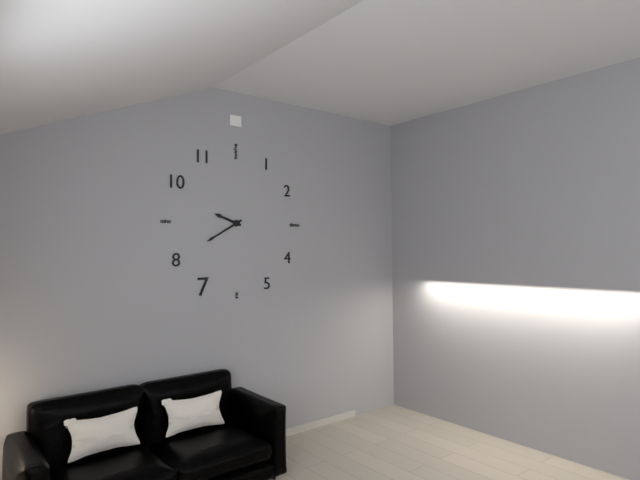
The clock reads 9,40
